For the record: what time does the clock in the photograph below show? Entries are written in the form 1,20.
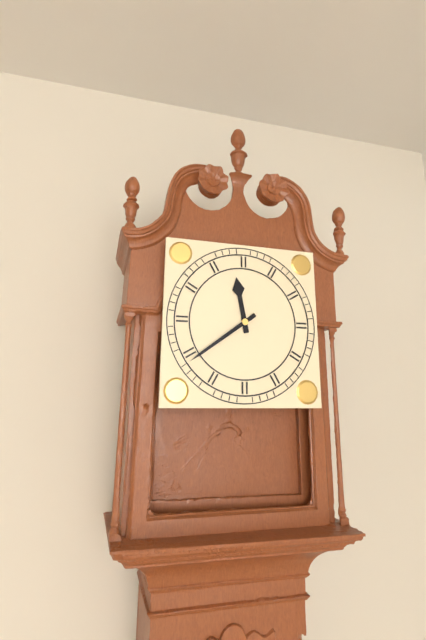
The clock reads 11,39
